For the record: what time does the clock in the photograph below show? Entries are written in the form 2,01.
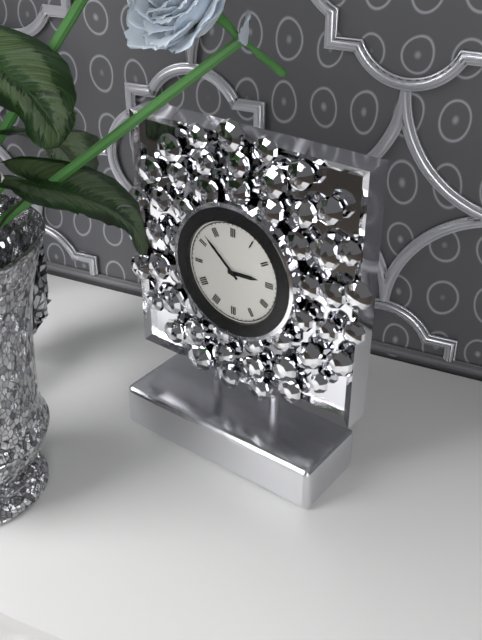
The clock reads 2,52
